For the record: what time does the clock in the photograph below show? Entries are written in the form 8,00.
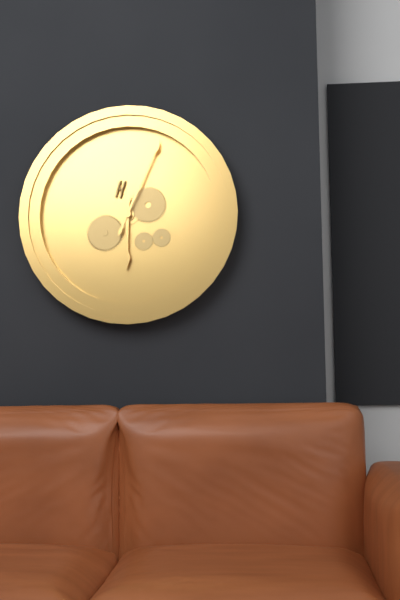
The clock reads 6,04
